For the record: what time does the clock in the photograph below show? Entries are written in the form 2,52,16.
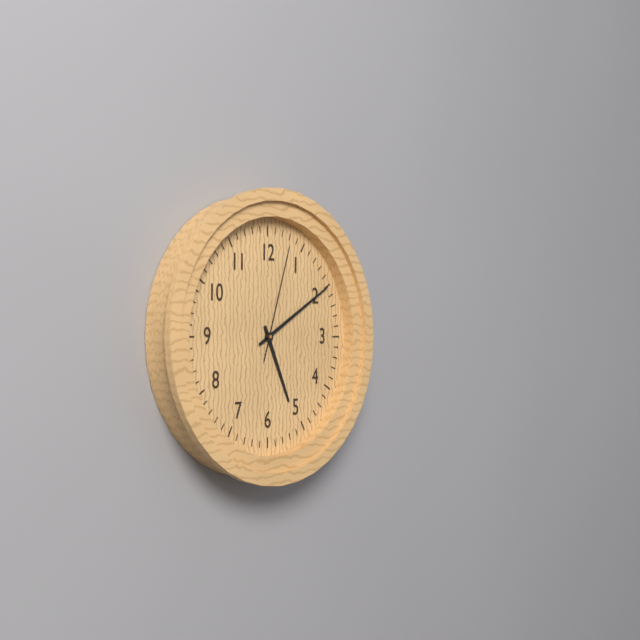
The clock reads 5,10,03
